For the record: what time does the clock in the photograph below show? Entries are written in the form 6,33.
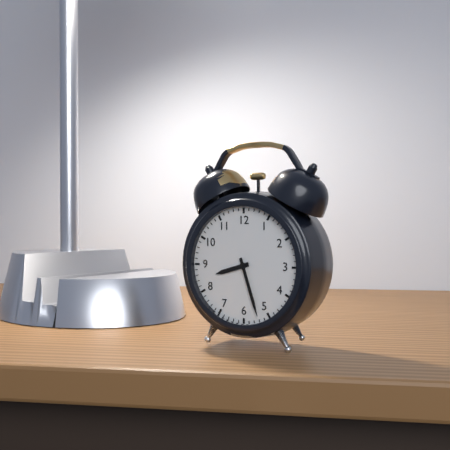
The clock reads 8,27
